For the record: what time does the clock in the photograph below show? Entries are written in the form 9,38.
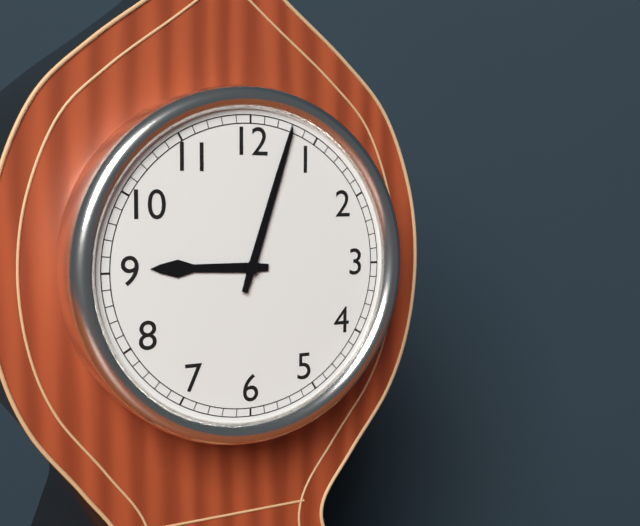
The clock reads 9,03
